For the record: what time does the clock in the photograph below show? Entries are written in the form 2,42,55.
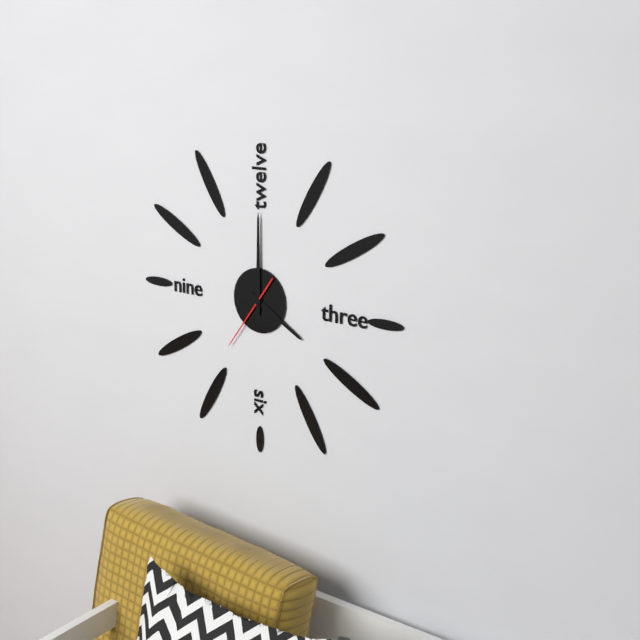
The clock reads 4,00,36
